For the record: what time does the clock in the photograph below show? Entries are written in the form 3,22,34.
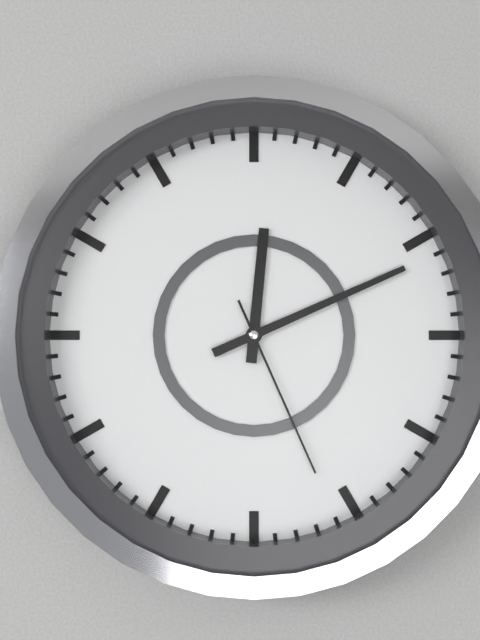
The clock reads 12,11,26
